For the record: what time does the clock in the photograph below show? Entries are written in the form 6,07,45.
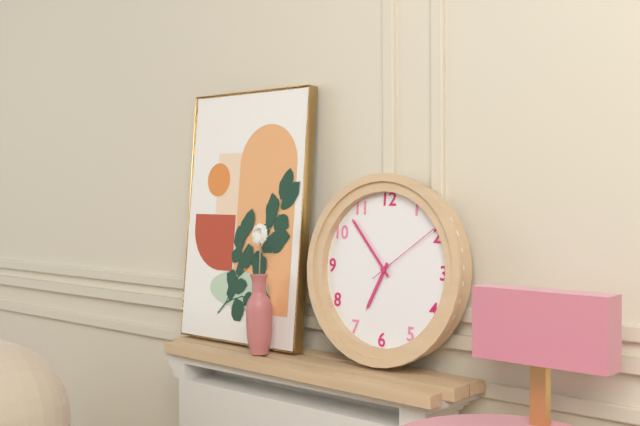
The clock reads 6,53,09
